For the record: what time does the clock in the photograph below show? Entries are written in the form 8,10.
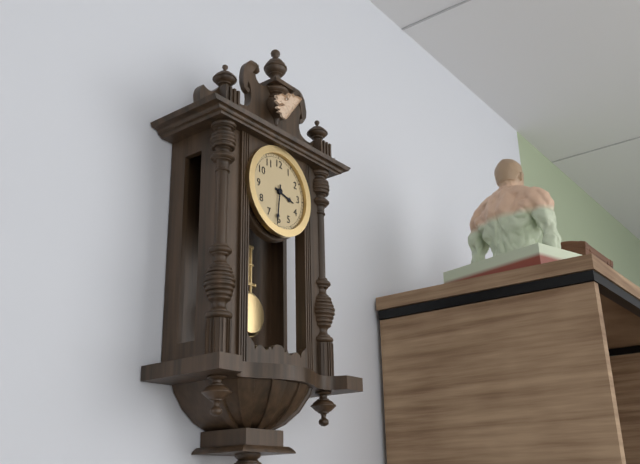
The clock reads 3,31
